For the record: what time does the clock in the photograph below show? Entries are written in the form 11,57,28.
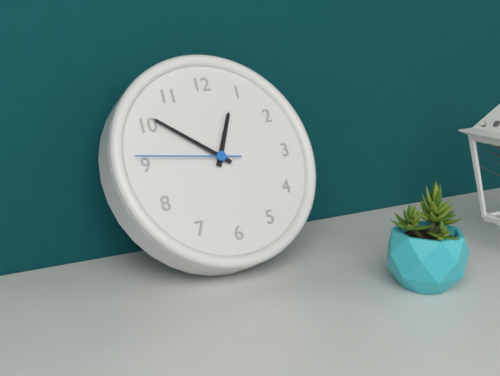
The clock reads 12,51,46
